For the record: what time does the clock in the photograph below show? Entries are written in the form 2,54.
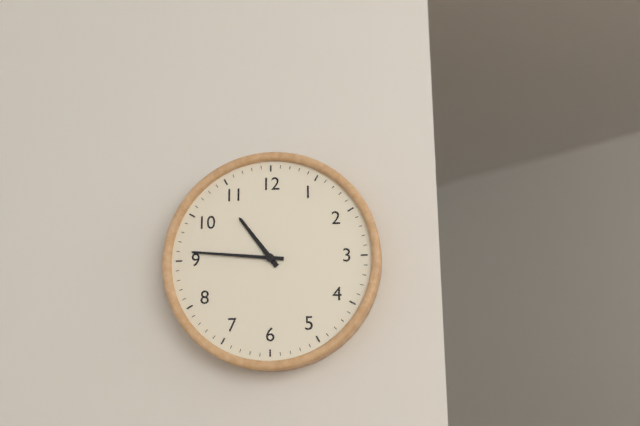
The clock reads 10,46
